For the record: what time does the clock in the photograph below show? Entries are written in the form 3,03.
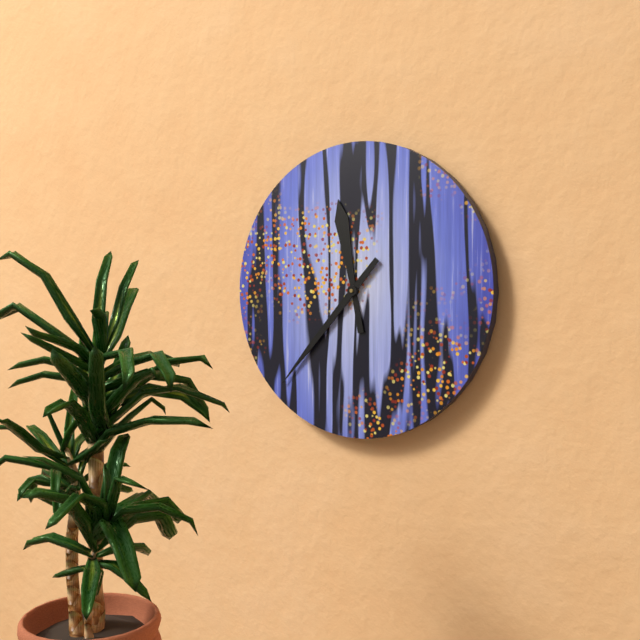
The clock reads 11,37
